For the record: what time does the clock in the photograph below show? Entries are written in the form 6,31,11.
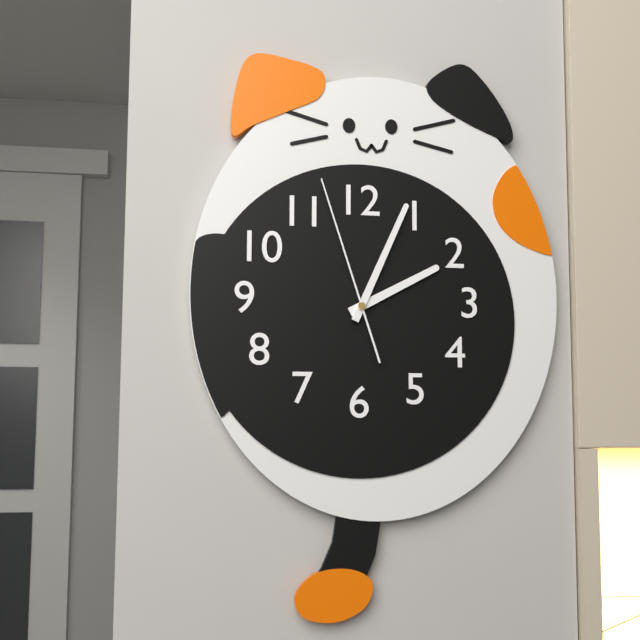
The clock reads 2,04,57
